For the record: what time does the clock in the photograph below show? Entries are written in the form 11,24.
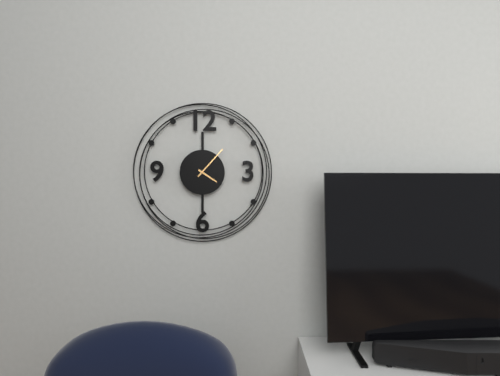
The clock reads 4,07
